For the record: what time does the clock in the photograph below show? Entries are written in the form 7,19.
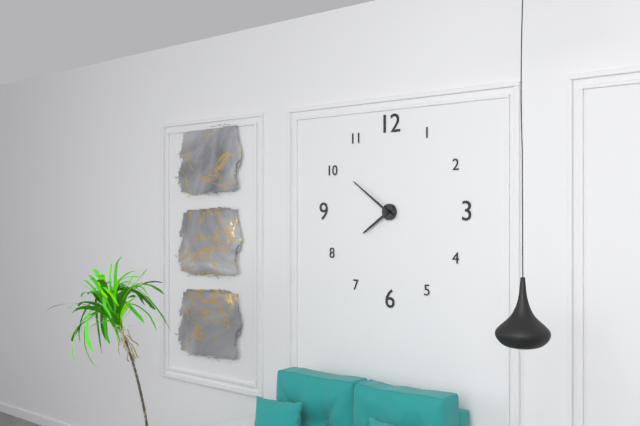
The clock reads 7,51
